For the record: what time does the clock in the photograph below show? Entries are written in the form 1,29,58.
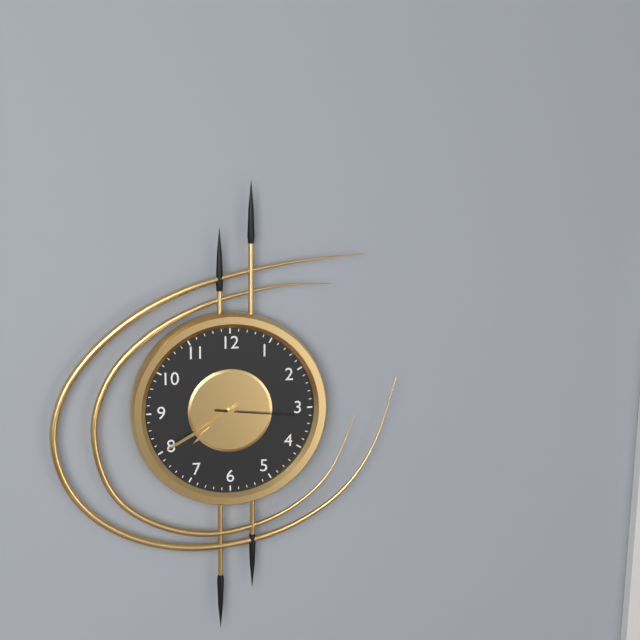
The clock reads 7,40,16
